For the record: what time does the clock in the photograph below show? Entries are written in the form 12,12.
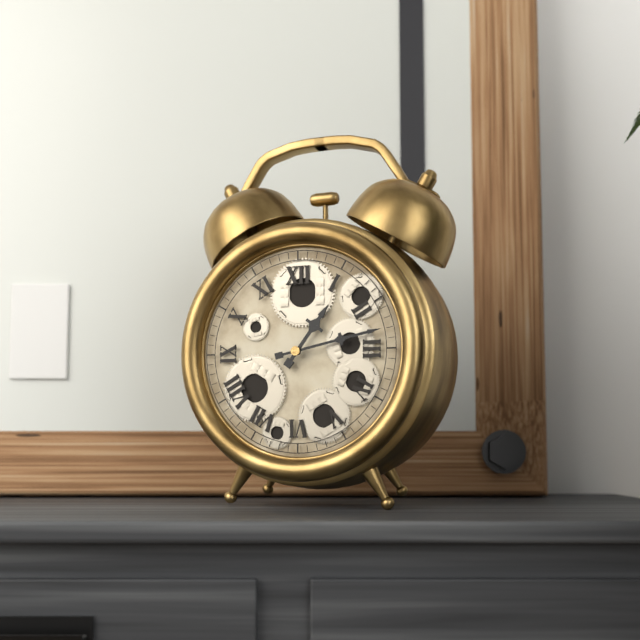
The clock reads 1,13
